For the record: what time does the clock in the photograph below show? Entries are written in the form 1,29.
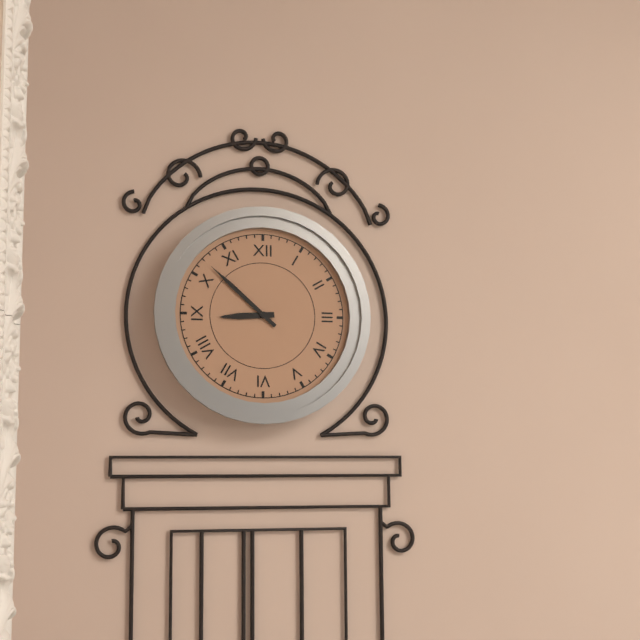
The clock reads 8,52
